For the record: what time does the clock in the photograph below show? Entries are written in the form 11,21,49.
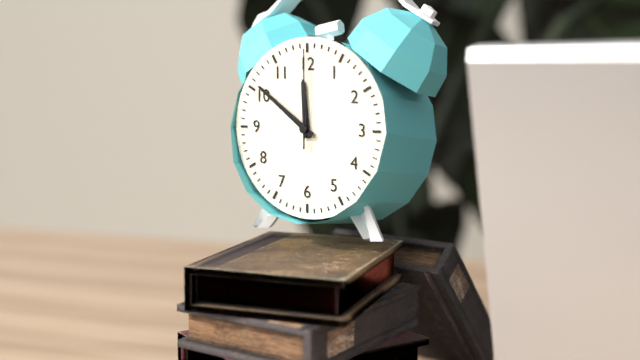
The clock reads 11,51,00
